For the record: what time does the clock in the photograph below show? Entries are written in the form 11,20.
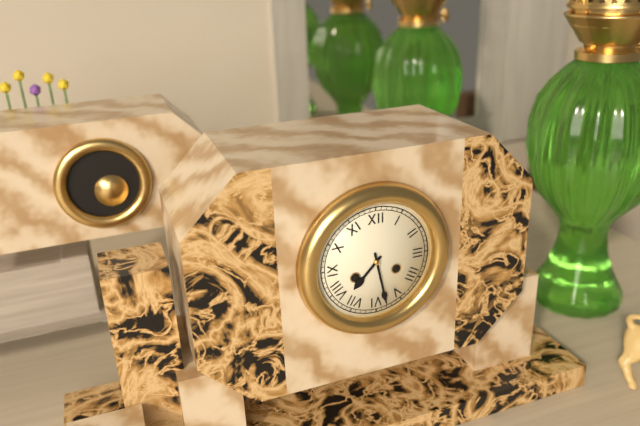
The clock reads 7,28
